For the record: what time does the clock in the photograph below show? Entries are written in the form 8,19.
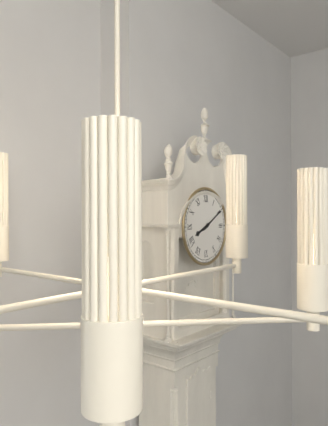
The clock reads 8,10
